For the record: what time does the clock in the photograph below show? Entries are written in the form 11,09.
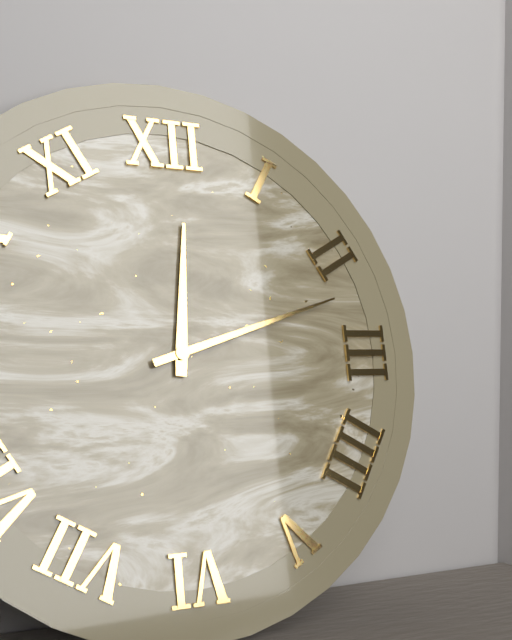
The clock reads 12,12
